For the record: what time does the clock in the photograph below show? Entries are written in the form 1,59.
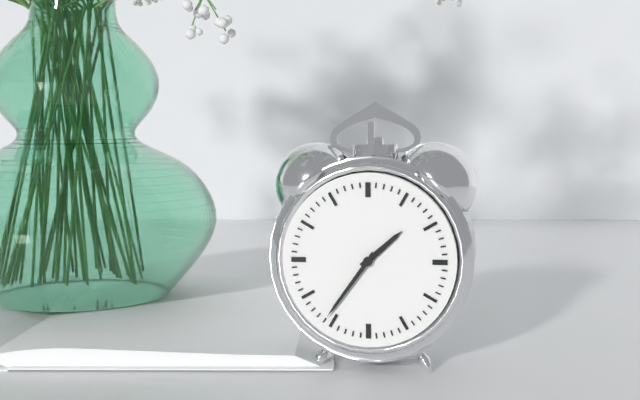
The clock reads 1,36
